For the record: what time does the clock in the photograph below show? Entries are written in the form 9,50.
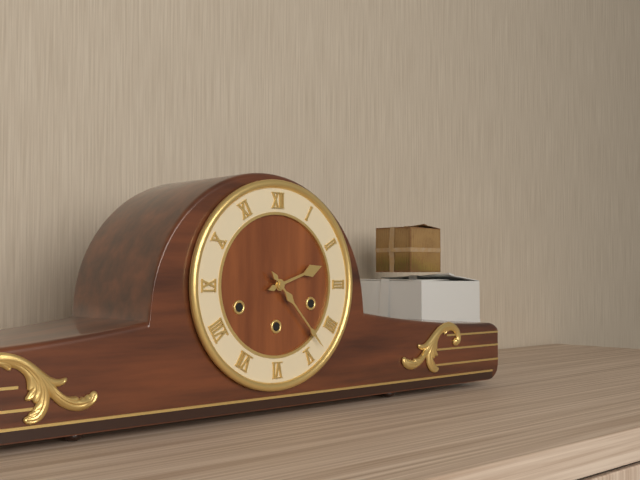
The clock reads 2,23
